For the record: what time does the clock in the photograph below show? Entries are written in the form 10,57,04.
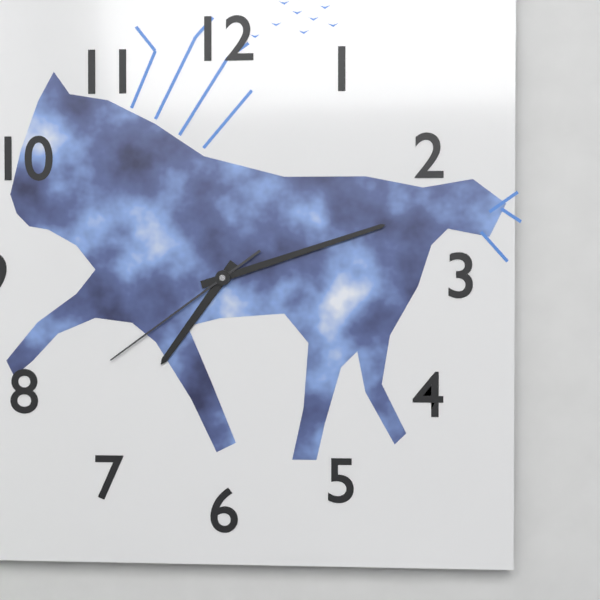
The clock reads 7,12,39
